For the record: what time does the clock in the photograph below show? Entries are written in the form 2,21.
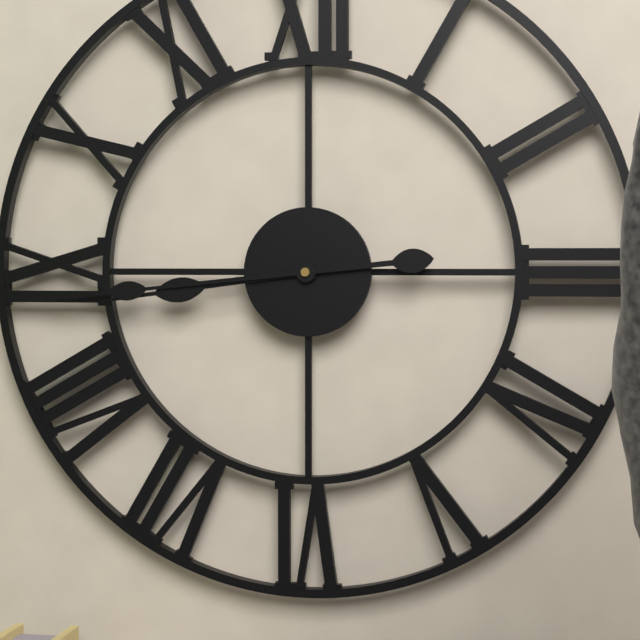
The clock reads 8,44
